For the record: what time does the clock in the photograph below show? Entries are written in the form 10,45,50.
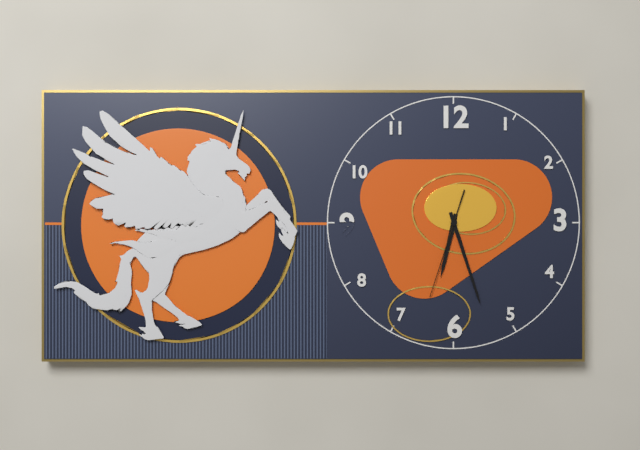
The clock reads 6,27,33
